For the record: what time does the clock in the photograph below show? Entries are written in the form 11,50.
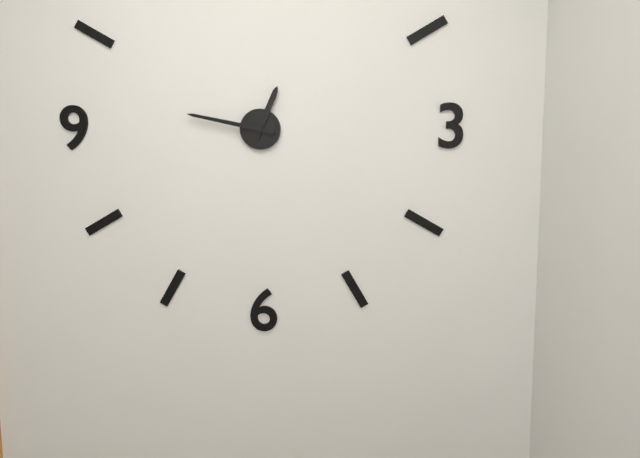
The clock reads 12,47
